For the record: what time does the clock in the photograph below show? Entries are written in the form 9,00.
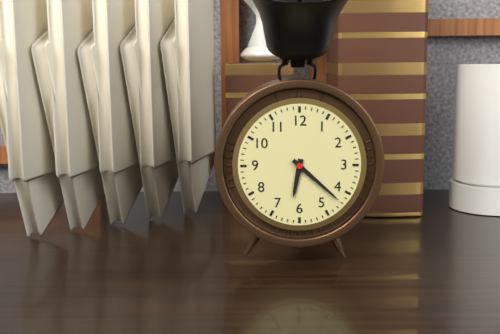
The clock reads 6,22
